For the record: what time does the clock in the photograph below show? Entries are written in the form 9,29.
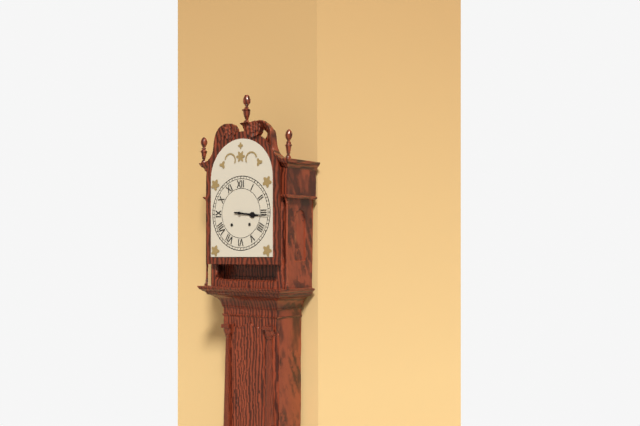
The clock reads 3,16
